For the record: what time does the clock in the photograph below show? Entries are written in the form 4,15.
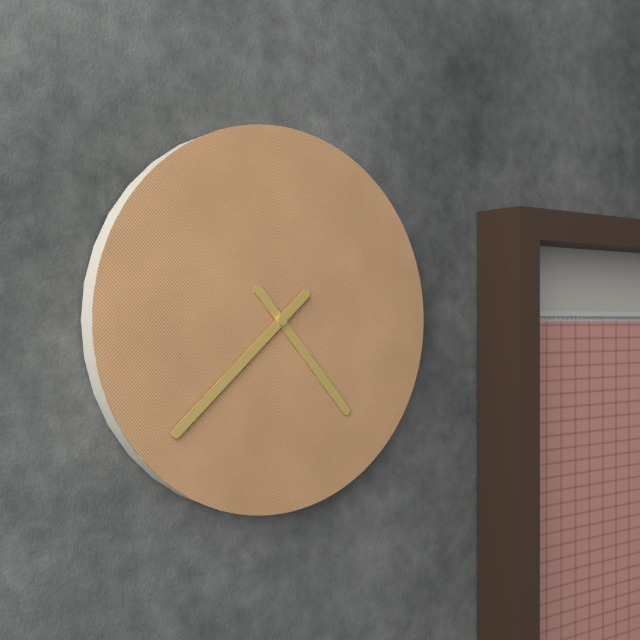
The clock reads 4,38
